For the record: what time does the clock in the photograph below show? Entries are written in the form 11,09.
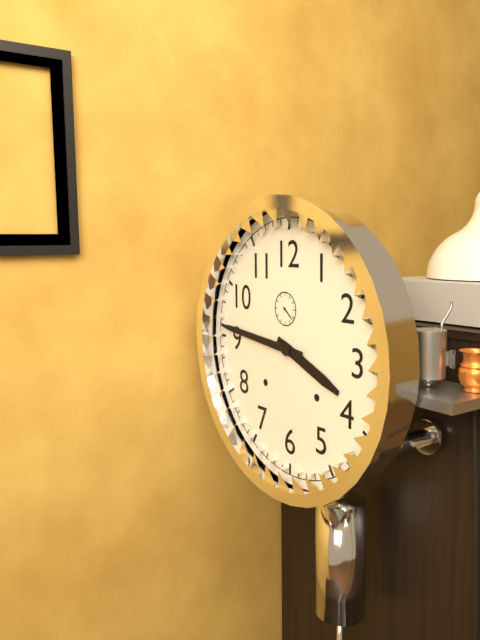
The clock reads 3,46
